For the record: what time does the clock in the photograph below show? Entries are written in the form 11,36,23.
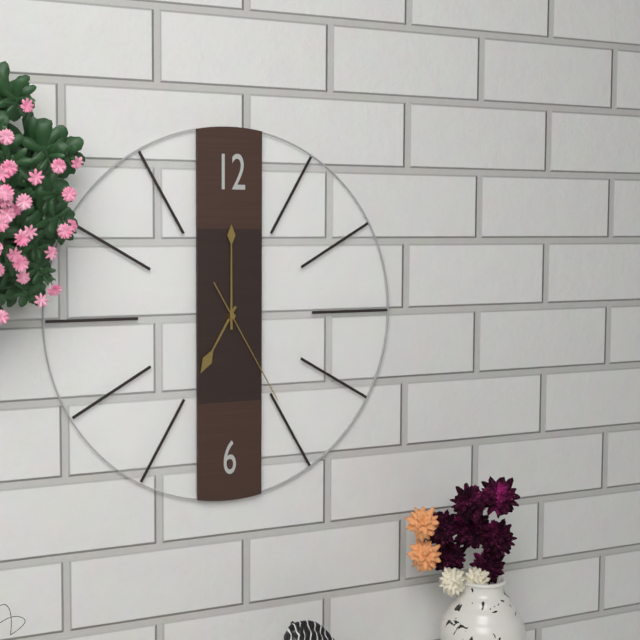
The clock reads 7,00,25
